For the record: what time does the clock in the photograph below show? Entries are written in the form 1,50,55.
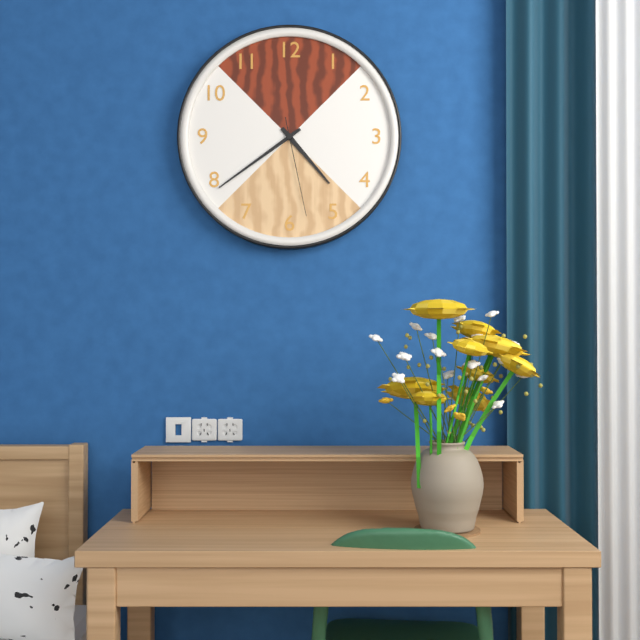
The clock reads 4,39,28
